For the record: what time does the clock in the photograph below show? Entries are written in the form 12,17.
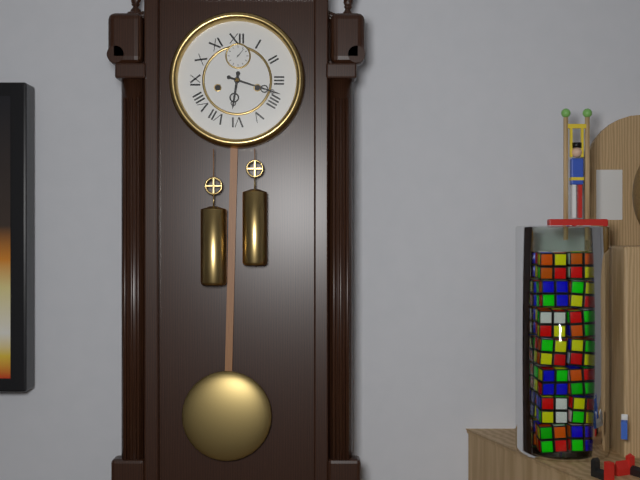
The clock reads 6,18
